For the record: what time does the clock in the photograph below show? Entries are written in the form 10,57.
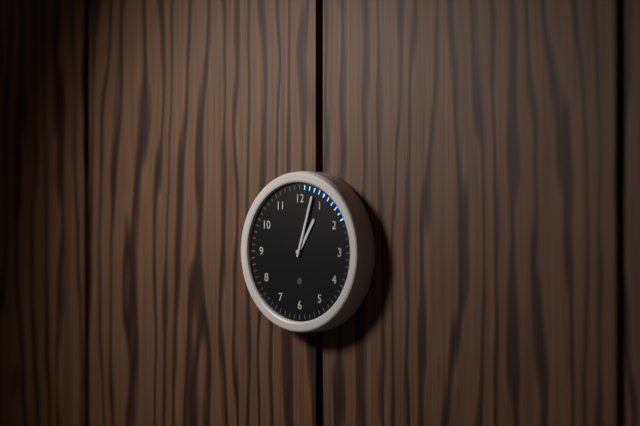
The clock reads 1,03
